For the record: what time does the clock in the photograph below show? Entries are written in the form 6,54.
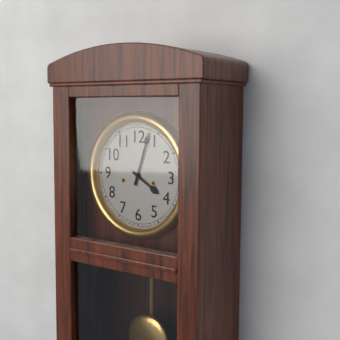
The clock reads 4,03
